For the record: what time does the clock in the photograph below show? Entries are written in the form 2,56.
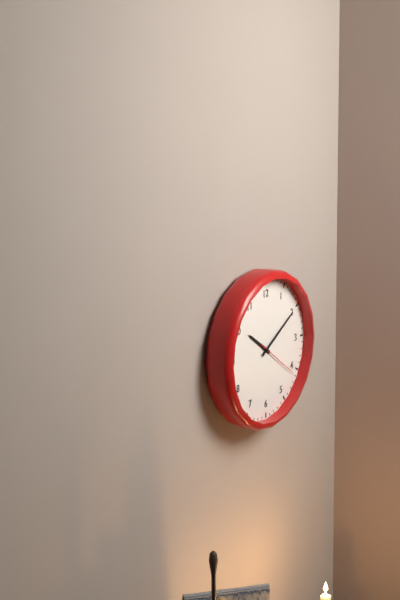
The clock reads 10,10
